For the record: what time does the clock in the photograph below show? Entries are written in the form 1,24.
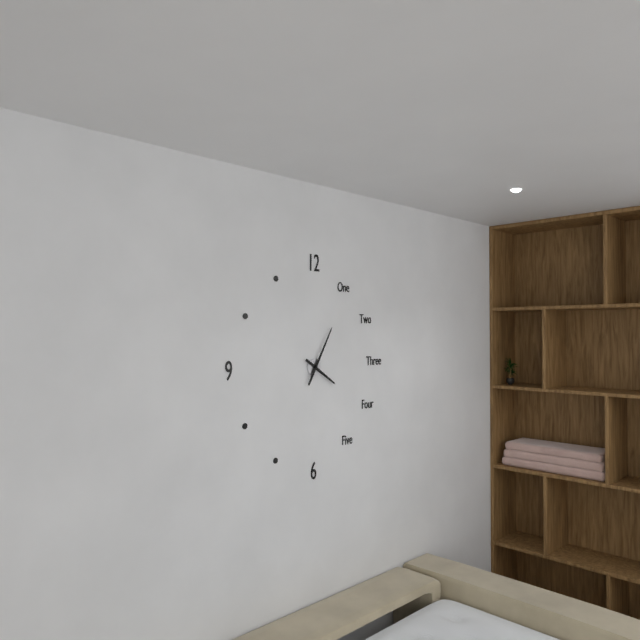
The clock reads 4,05
